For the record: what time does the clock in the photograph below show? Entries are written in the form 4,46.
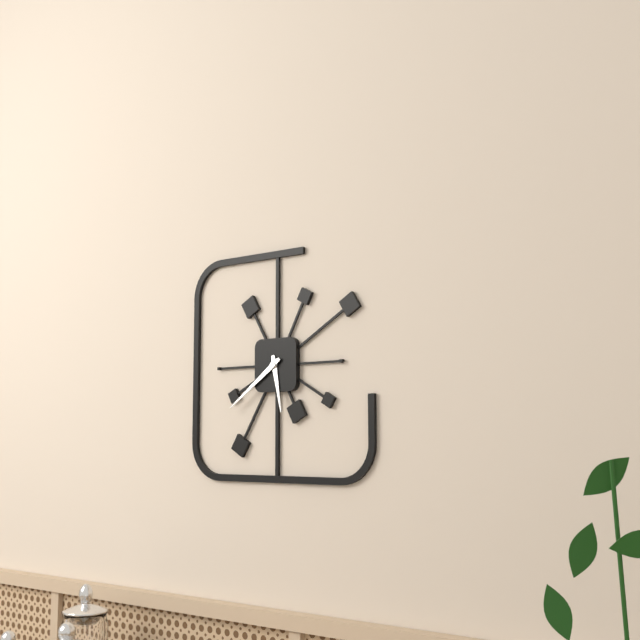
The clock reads 5,39
